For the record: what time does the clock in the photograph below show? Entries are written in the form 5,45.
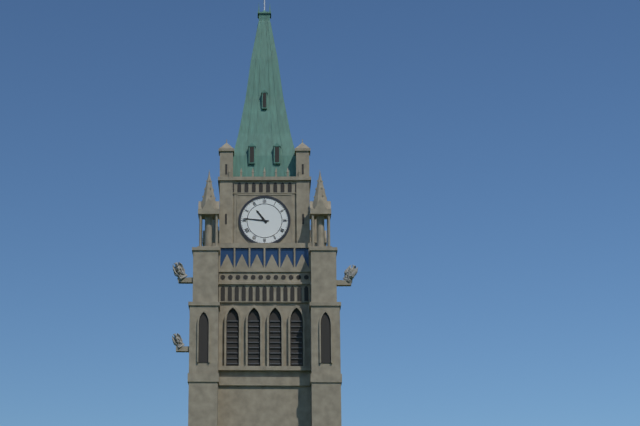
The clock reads 10,46
